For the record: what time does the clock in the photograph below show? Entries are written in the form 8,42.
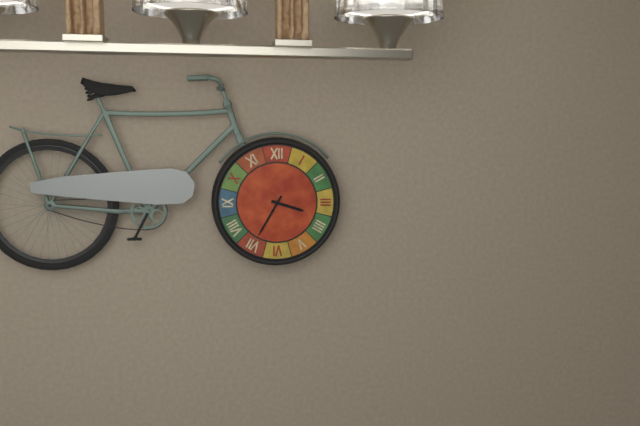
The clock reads 3,35
